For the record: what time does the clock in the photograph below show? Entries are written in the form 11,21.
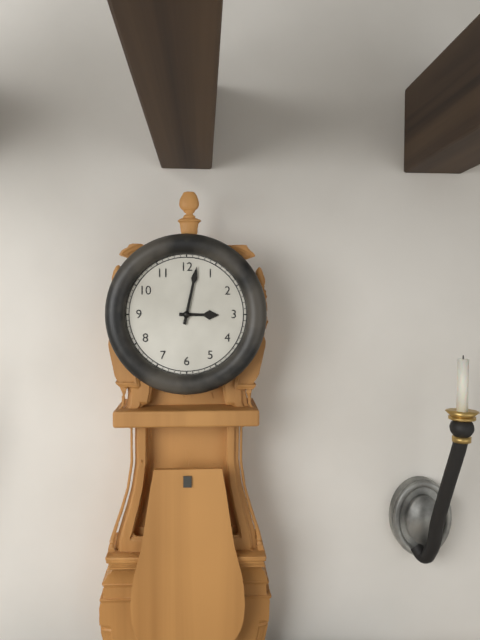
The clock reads 3,02
